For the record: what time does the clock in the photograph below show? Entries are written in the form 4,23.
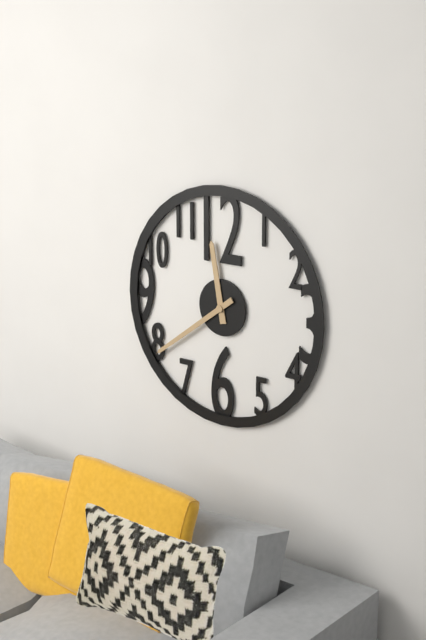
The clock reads 11,39
